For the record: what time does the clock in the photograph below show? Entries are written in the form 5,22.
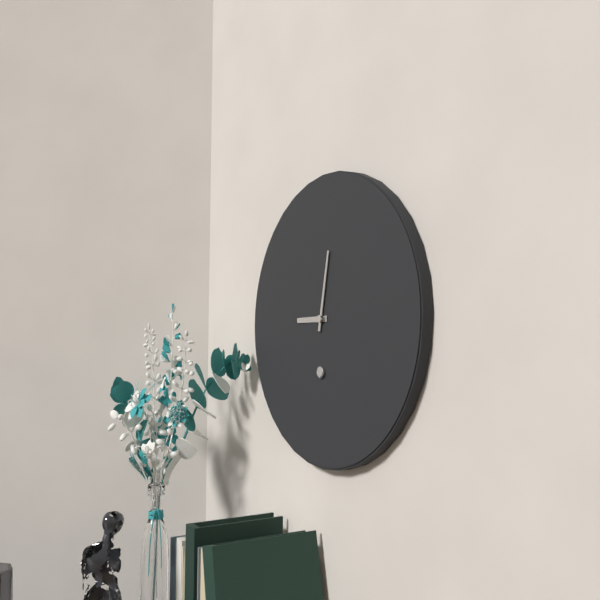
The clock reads 9,02
